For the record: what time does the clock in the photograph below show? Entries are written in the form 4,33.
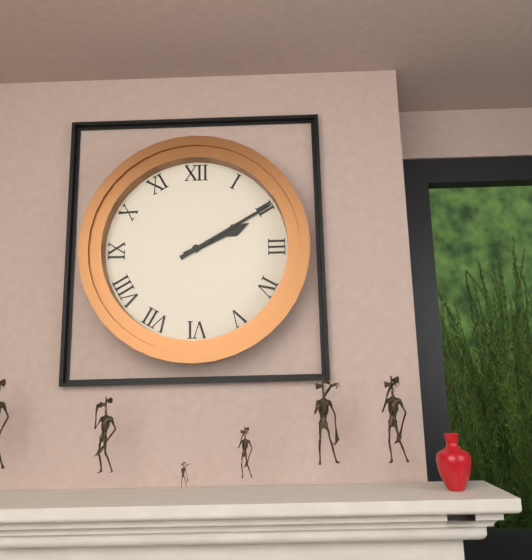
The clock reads 2,10
